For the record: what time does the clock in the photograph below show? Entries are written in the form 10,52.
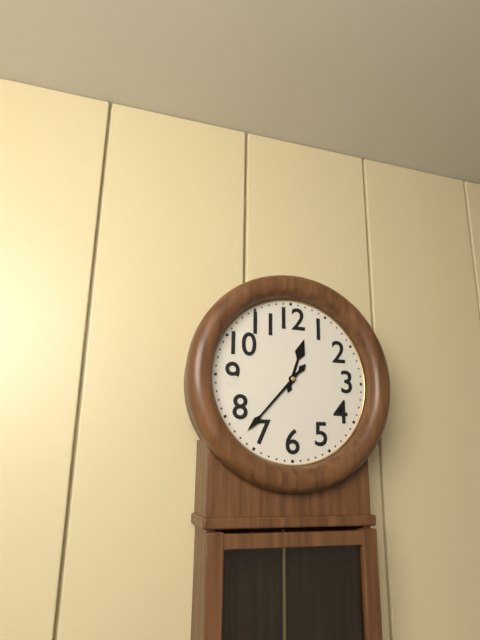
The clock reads 12,37
